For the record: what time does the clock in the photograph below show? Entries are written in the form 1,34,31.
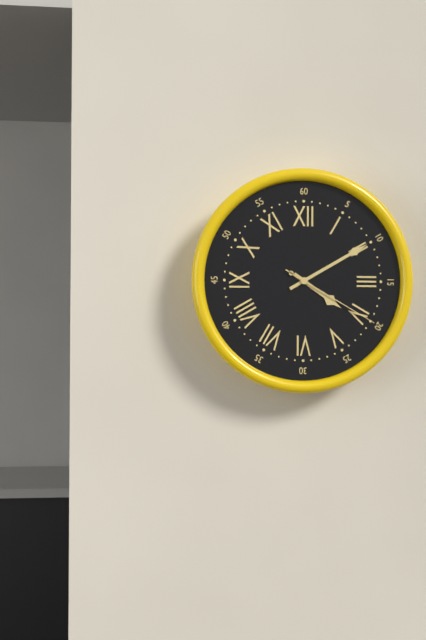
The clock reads 4,10,20
